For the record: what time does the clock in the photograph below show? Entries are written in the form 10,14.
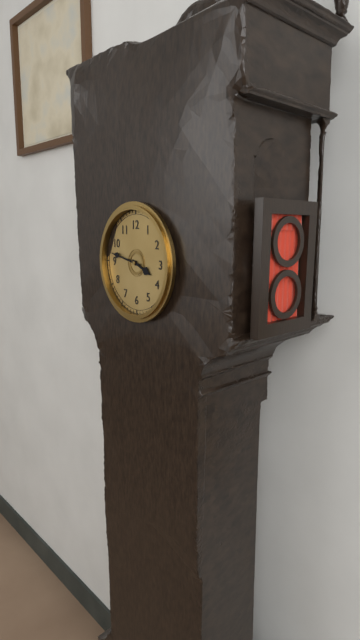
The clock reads 3,47
